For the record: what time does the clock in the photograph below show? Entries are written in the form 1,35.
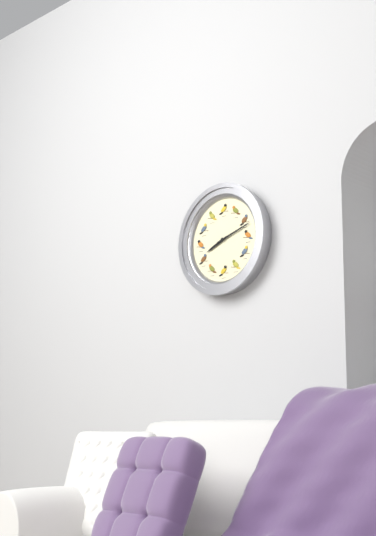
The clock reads 8,12
